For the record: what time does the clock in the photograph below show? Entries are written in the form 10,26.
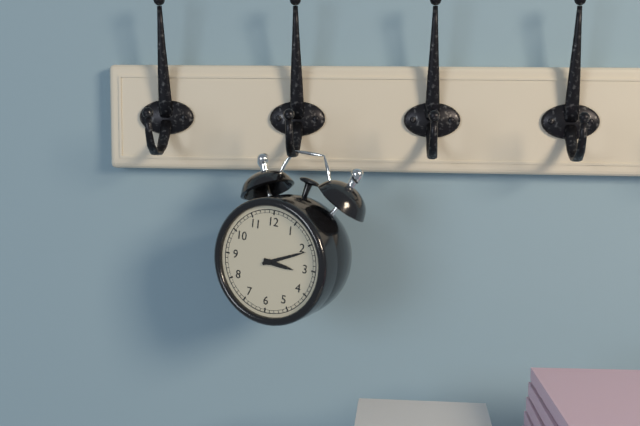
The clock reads 3,11
